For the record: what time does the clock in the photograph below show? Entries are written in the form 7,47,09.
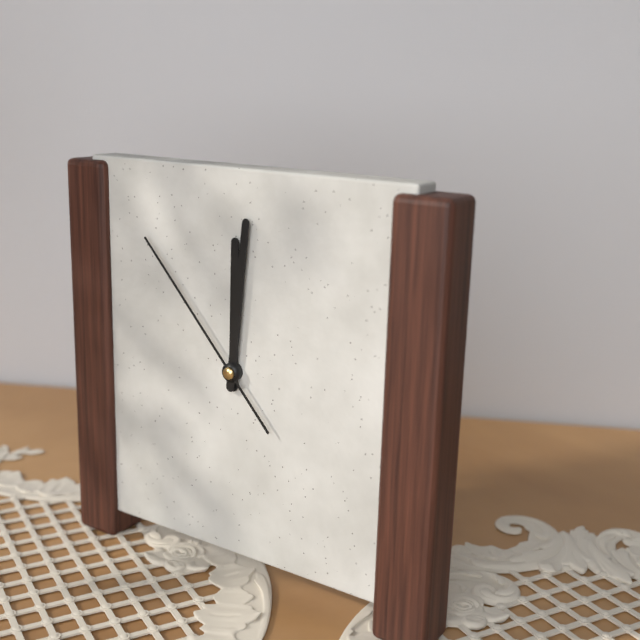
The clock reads 12,01,53
